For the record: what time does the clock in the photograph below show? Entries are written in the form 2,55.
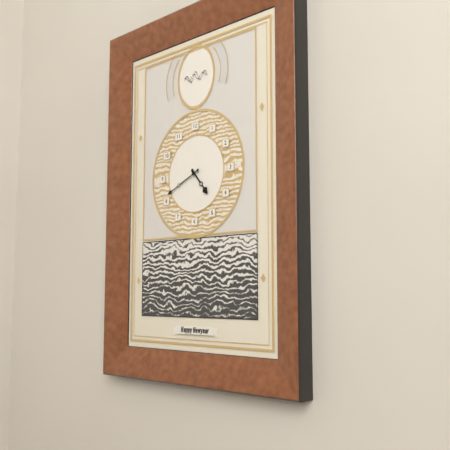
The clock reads 4,41
